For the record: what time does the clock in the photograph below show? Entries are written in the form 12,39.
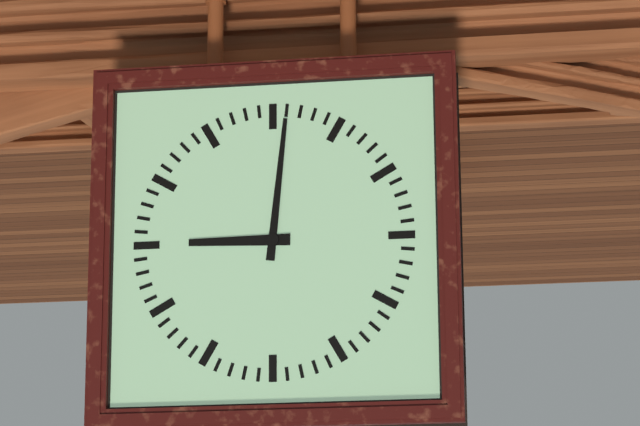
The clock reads 9,01
